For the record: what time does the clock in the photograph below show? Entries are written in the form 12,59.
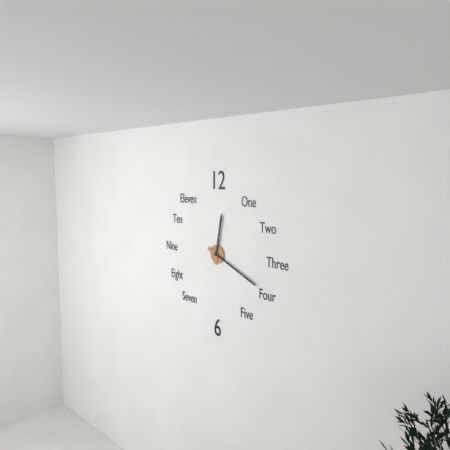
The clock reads 12,19
